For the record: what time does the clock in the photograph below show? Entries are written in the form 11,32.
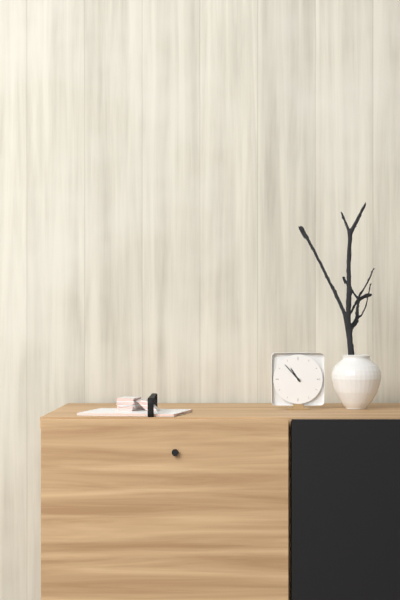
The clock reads 10,53
